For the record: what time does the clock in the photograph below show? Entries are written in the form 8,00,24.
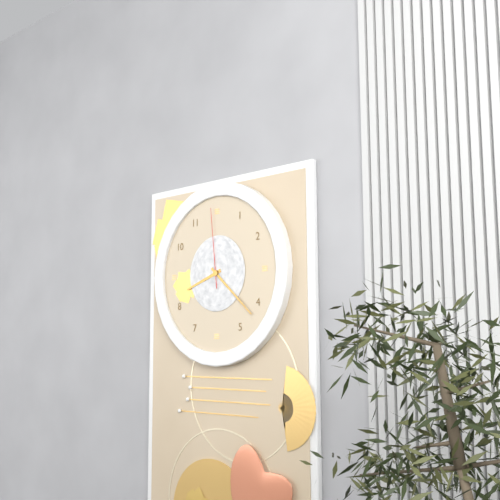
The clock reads 8,22,59
